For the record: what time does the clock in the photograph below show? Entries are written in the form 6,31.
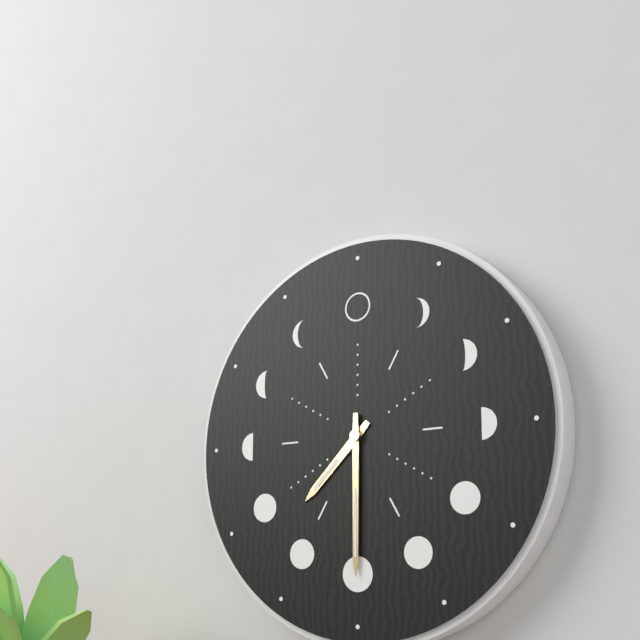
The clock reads 7,30
